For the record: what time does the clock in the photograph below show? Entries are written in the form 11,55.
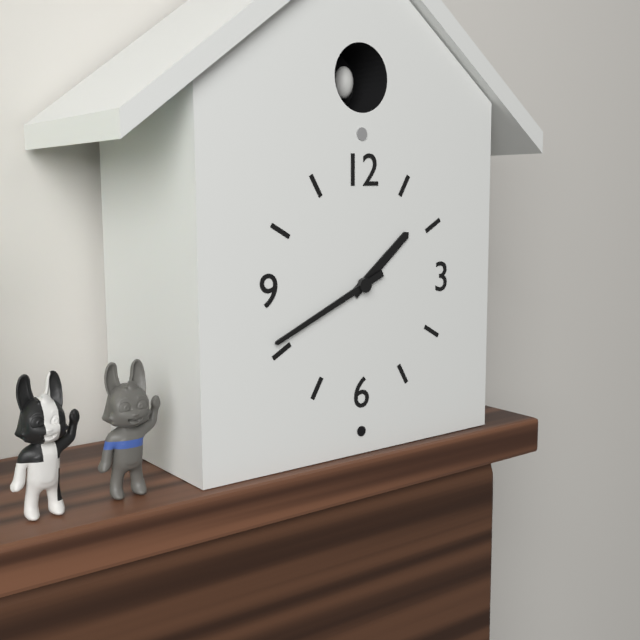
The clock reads 1,41
